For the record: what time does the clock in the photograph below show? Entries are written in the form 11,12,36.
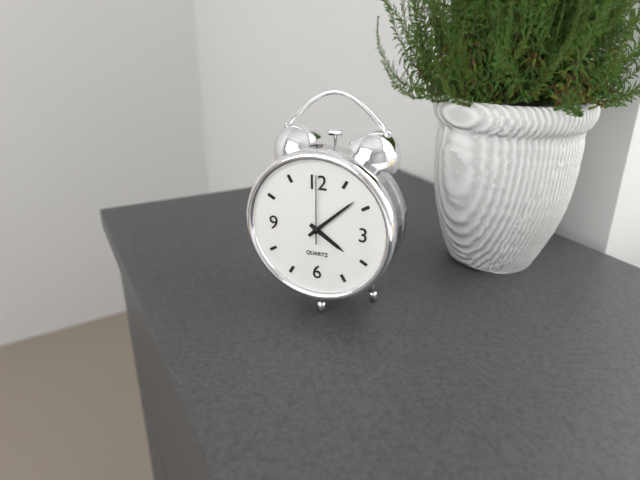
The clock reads 4,08,00
